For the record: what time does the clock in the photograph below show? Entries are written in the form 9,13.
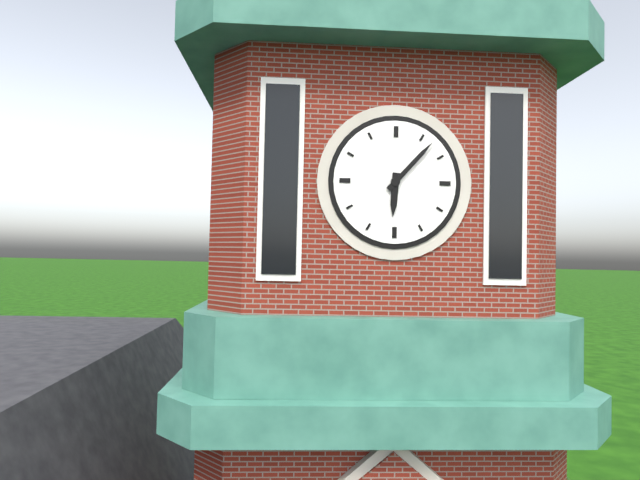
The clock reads 6,07
